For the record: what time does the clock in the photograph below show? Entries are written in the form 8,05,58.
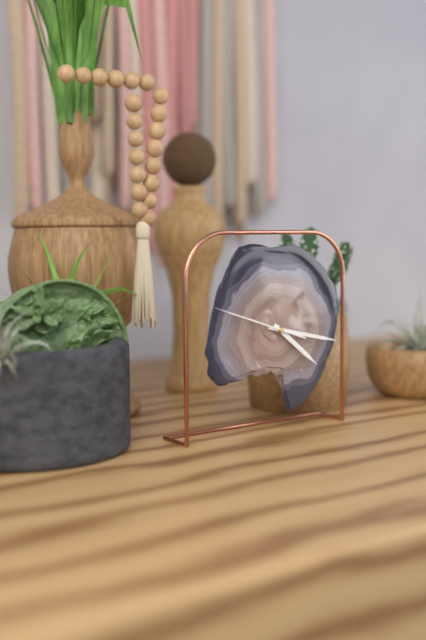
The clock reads 4,17,48
